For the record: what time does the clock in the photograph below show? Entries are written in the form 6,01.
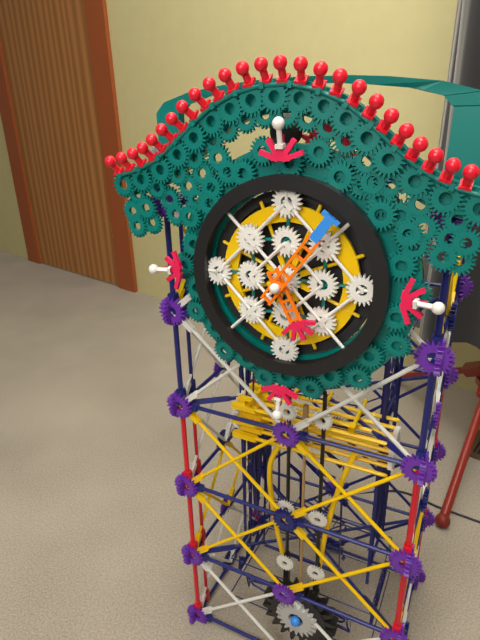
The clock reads 5,06
